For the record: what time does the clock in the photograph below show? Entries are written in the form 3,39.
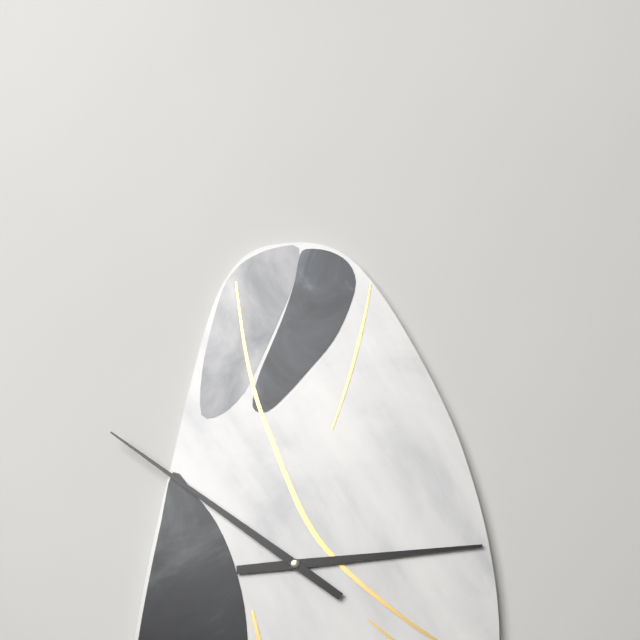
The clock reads 2,51
